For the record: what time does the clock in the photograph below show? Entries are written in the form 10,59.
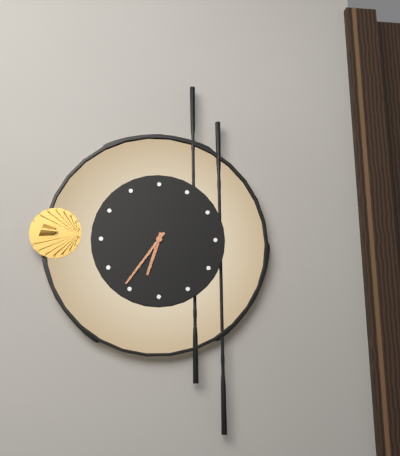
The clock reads 6,36
